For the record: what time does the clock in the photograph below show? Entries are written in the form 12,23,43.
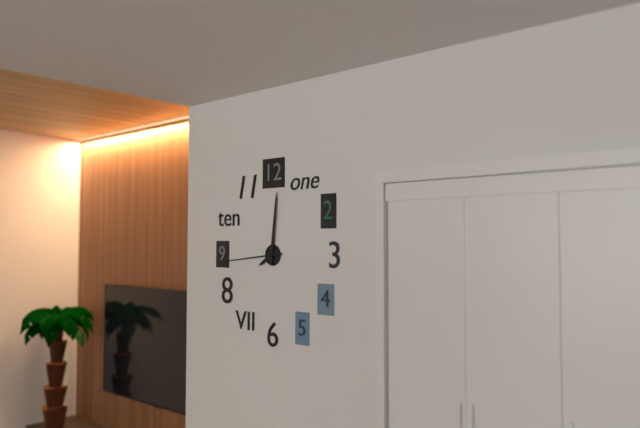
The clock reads 8,01,44
